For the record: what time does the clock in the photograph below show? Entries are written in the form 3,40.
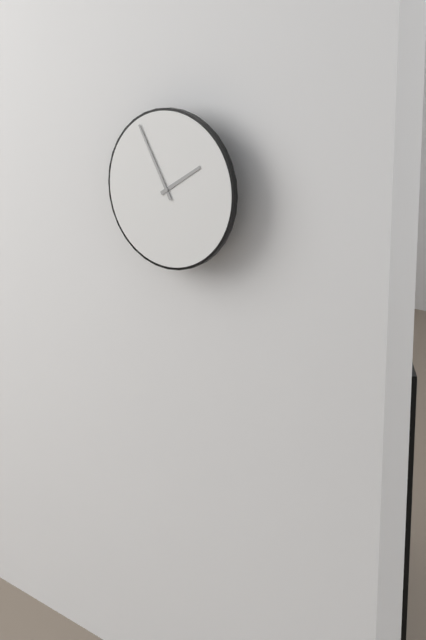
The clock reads 1,55
